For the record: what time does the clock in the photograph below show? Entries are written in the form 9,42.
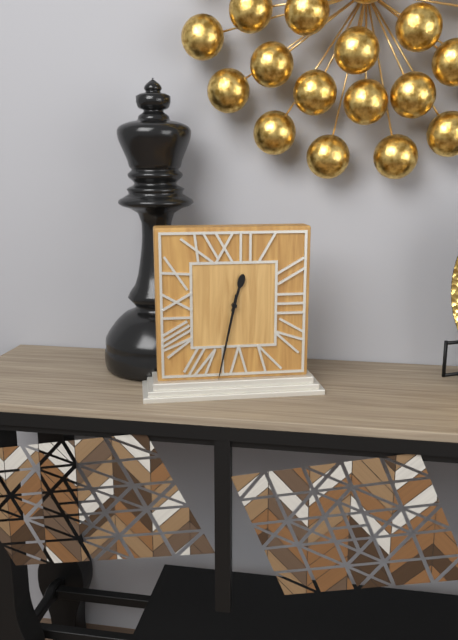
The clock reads 12,32
